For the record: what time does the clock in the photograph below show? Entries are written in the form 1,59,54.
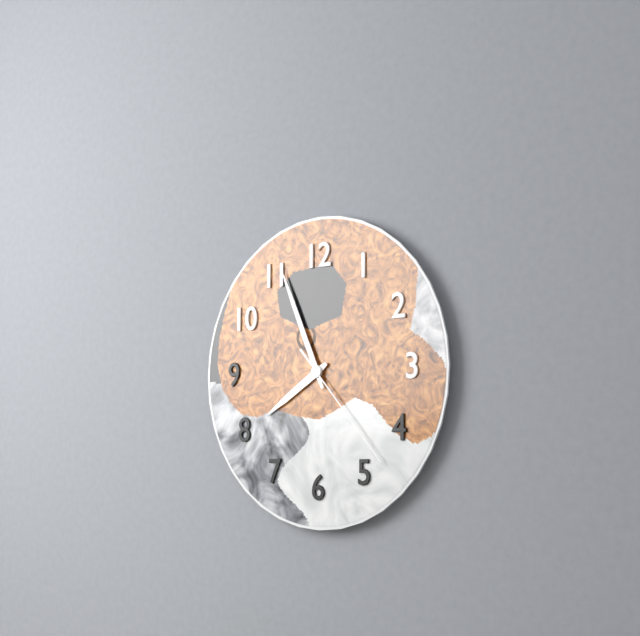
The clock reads 7,56,23
